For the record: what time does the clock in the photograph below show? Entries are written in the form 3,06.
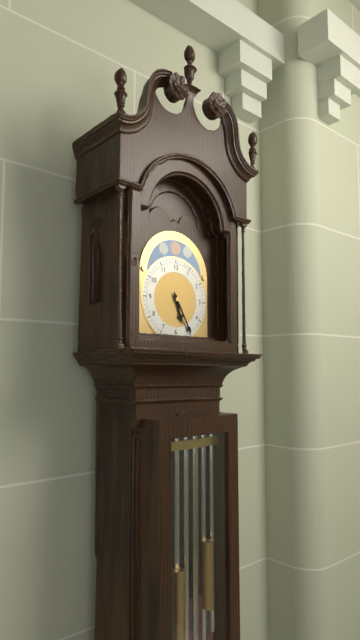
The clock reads 5,25
